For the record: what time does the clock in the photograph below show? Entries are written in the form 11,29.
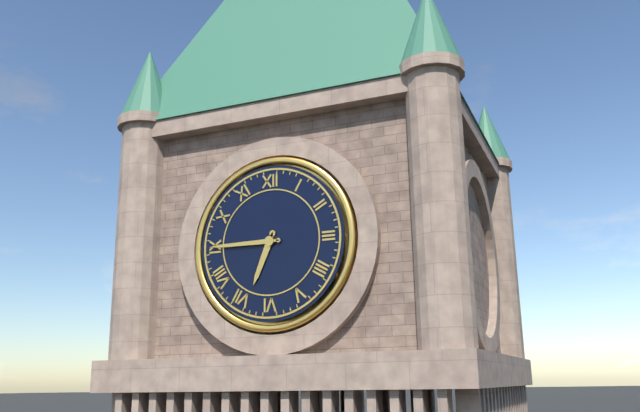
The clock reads 6,45
